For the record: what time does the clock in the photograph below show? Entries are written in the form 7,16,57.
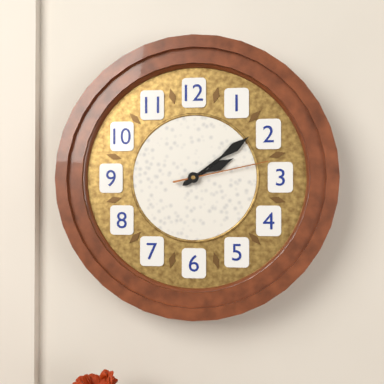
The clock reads 2,09,13
